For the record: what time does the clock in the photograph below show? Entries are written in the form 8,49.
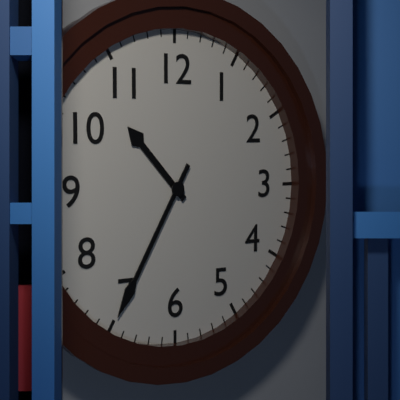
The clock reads 10,35
